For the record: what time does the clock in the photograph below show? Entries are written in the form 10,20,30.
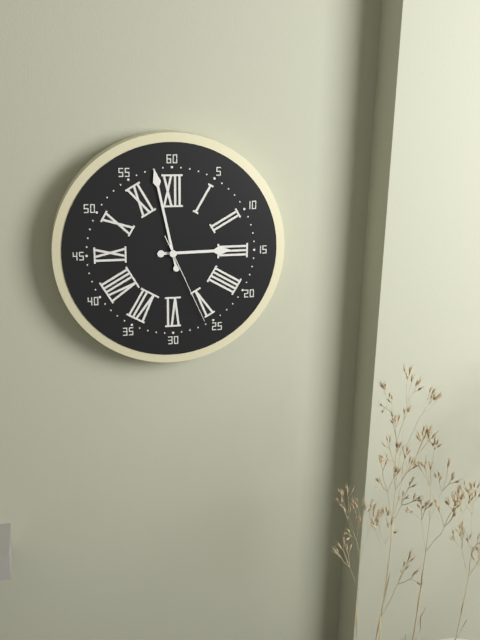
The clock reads 2,58,26
